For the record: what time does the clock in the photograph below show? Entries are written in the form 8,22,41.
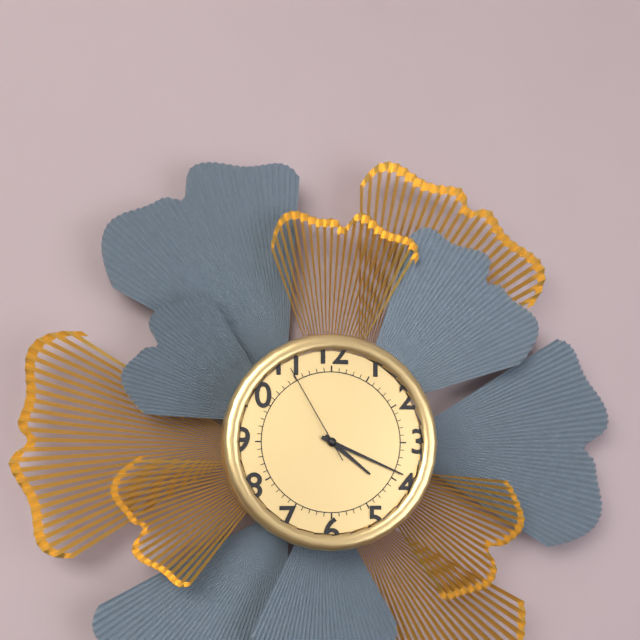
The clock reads 4,19,55
